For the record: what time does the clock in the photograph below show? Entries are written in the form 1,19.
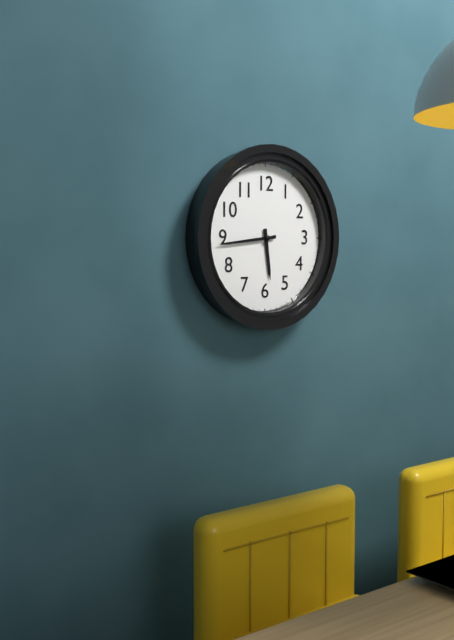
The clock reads 5,44
